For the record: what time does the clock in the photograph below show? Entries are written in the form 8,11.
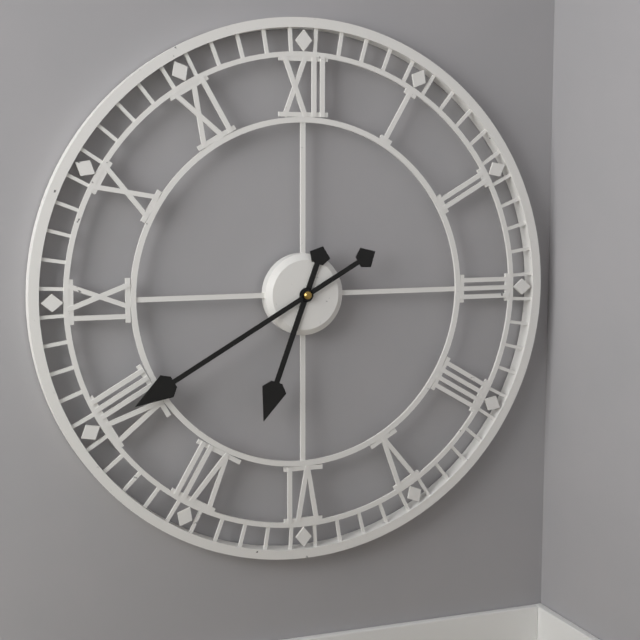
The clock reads 6,40
